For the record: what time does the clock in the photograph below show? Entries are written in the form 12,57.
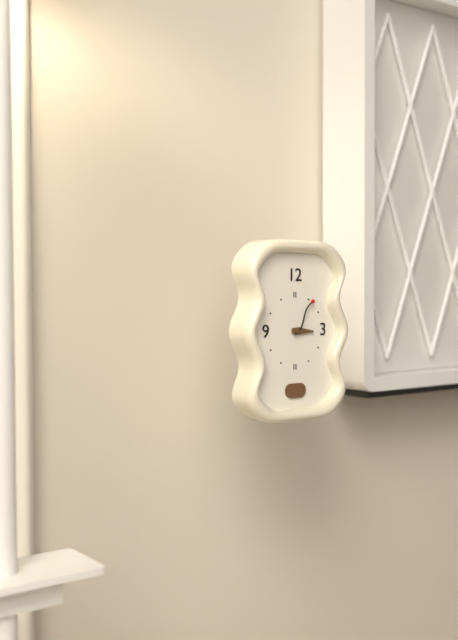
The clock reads 3,06
